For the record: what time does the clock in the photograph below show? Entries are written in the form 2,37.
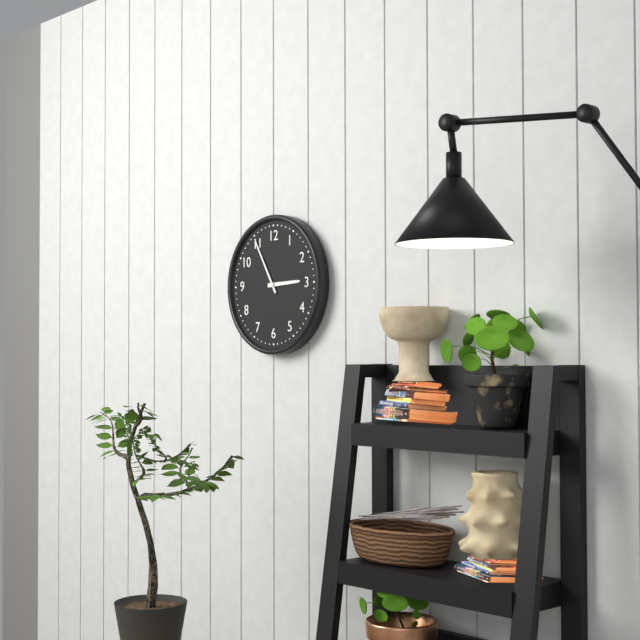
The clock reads 2,55
